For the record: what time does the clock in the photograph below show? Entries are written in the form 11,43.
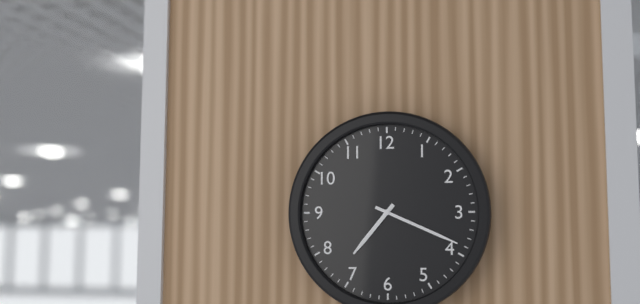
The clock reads 7,19
